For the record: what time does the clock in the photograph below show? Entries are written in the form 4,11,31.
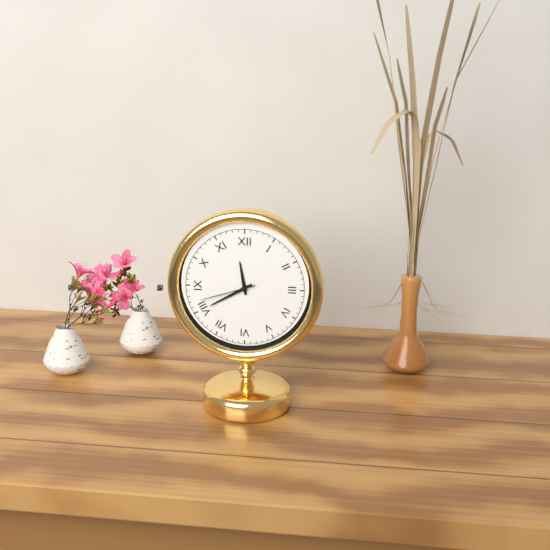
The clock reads 11,40,42
